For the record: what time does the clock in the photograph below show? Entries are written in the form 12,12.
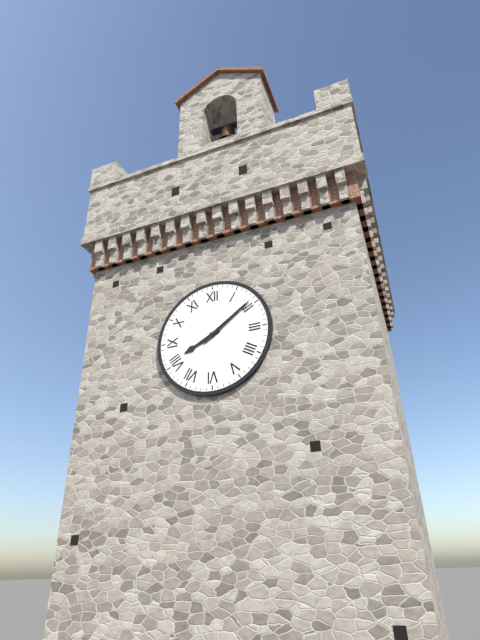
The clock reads 8,09
